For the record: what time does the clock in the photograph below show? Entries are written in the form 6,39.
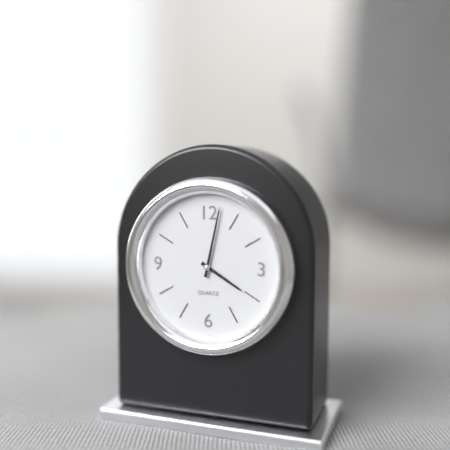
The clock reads 4,02
